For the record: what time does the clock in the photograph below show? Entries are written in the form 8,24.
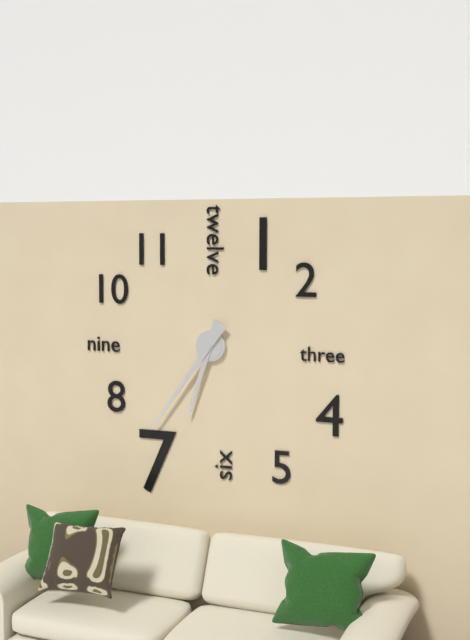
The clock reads 6,36
